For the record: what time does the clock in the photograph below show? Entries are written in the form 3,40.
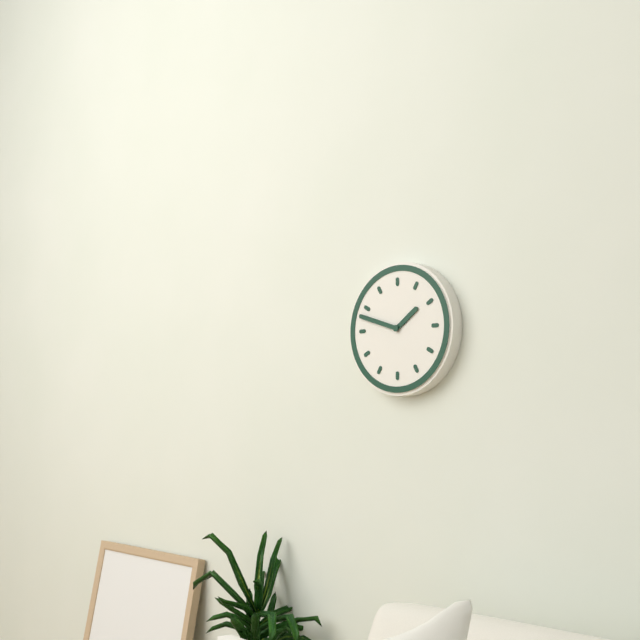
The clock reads 1,48
